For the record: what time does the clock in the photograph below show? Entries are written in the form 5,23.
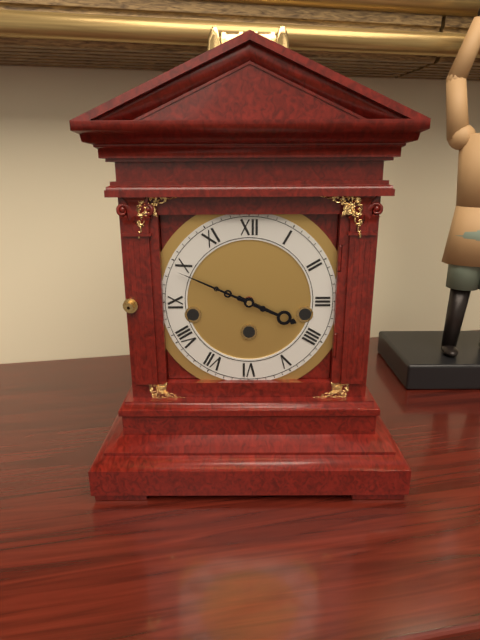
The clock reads 3,49
